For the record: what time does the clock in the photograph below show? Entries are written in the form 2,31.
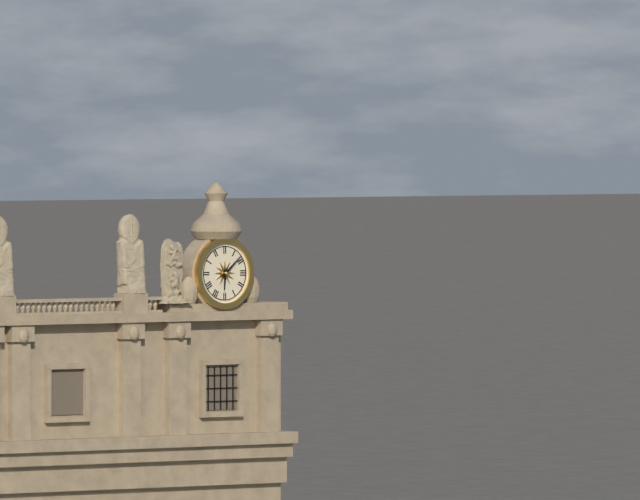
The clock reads 6,08
